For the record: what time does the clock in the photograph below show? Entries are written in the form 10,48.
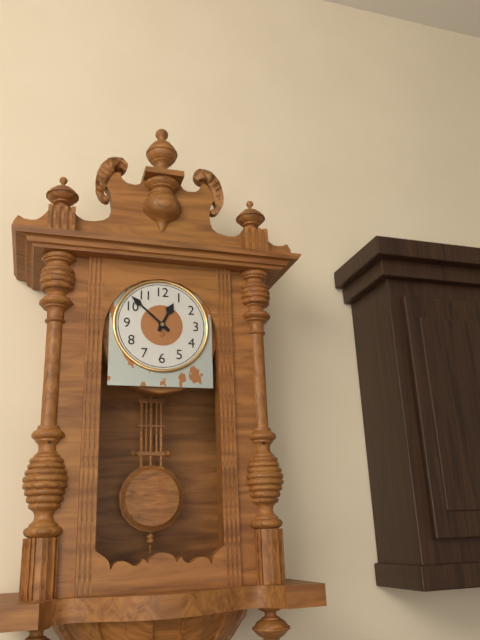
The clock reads 12,52
